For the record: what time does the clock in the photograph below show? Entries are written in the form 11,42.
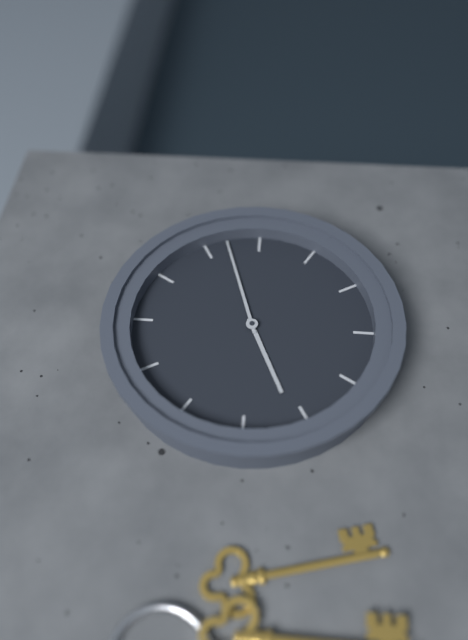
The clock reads 8,12
